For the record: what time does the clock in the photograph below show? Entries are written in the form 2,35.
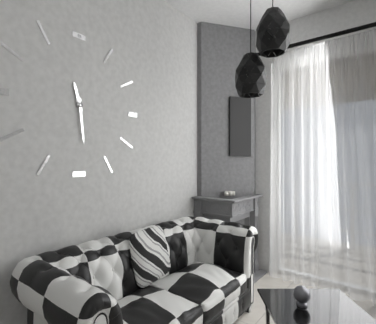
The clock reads 11,29
